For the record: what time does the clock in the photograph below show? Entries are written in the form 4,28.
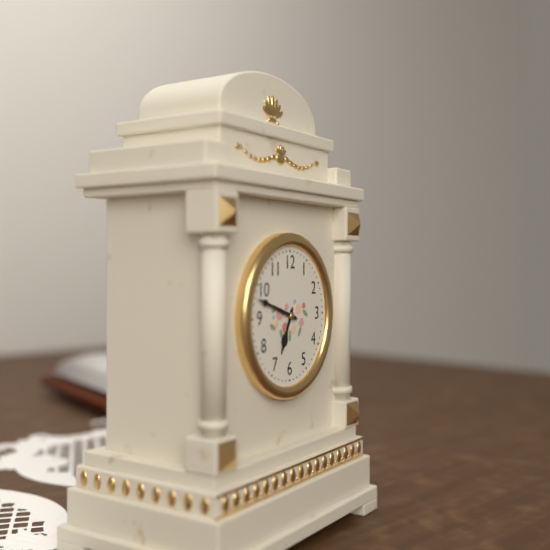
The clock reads 6,48
